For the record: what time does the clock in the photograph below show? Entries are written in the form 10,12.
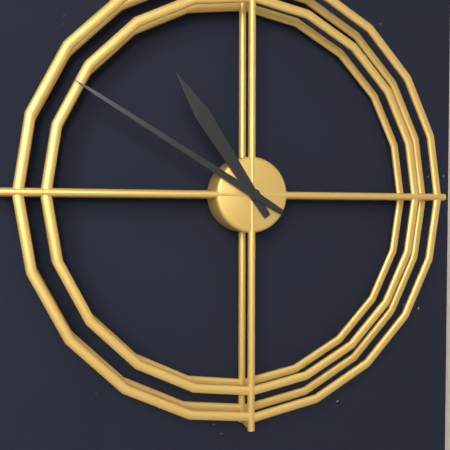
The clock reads 10,50
